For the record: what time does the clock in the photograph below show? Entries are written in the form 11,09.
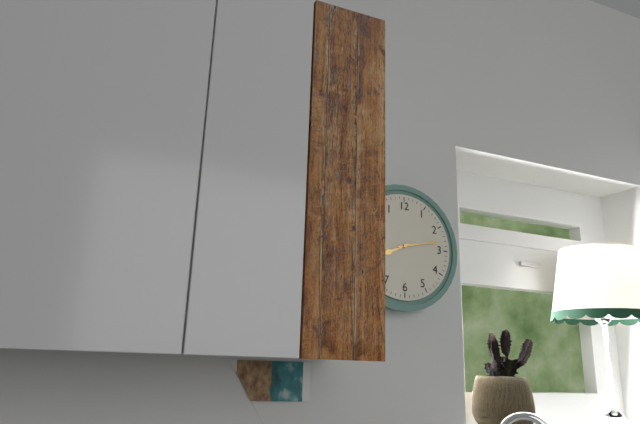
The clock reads 8,13
